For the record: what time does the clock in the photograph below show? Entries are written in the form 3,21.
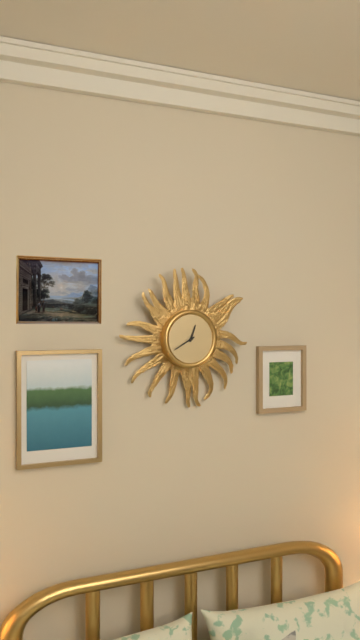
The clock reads 12,40
